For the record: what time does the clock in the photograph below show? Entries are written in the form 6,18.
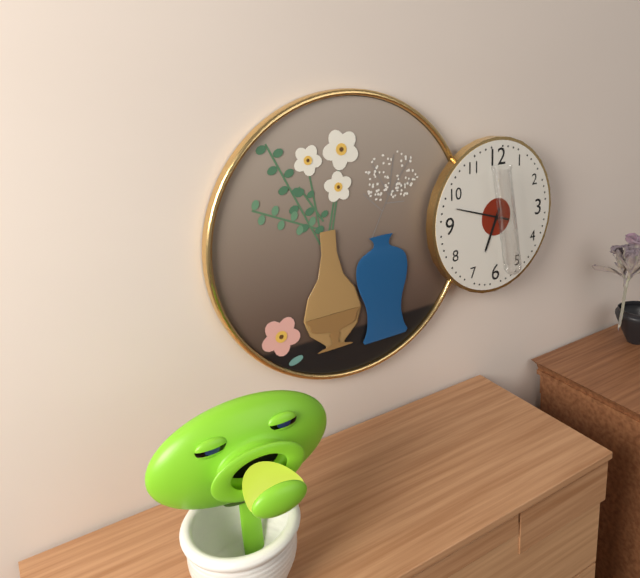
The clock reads 6,48
